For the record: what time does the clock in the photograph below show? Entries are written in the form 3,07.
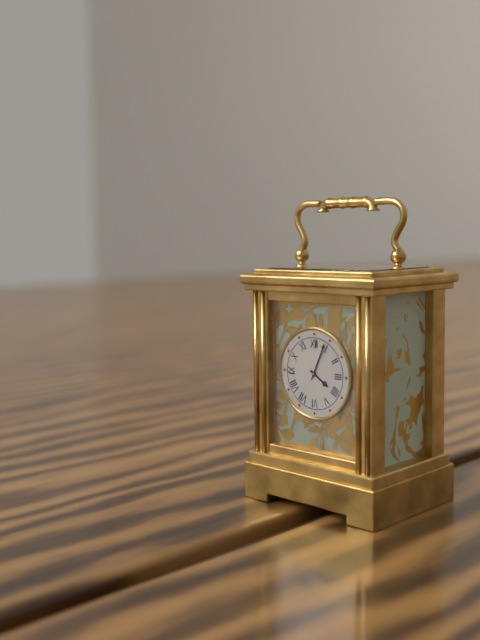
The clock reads 4,04
